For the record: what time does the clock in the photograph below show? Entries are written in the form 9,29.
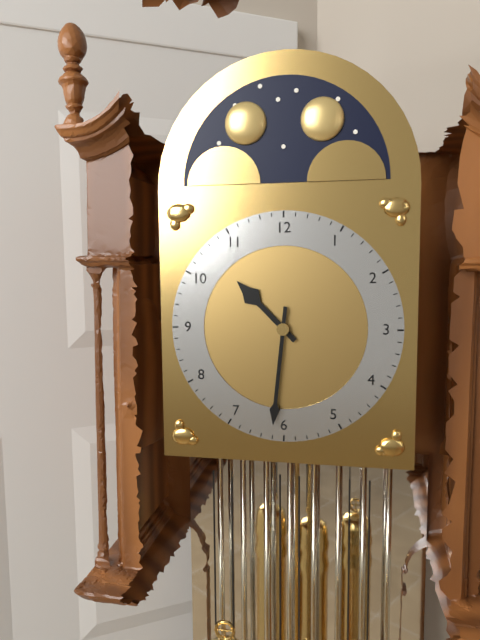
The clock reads 10,31
